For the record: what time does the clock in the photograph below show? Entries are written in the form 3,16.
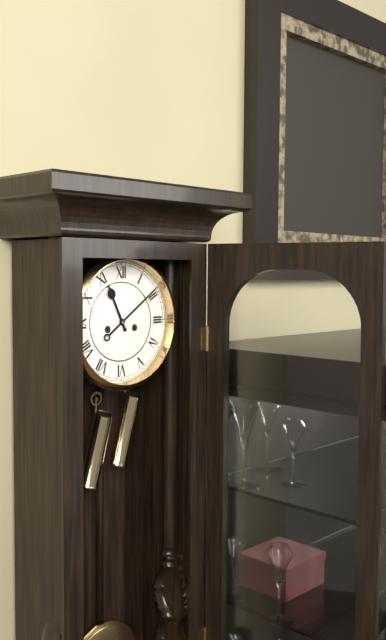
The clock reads 11,09
